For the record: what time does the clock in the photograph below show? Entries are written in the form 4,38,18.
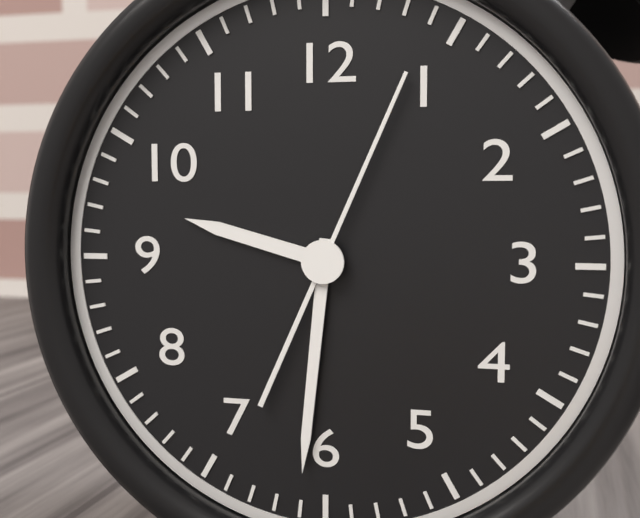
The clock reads 9,31,04
